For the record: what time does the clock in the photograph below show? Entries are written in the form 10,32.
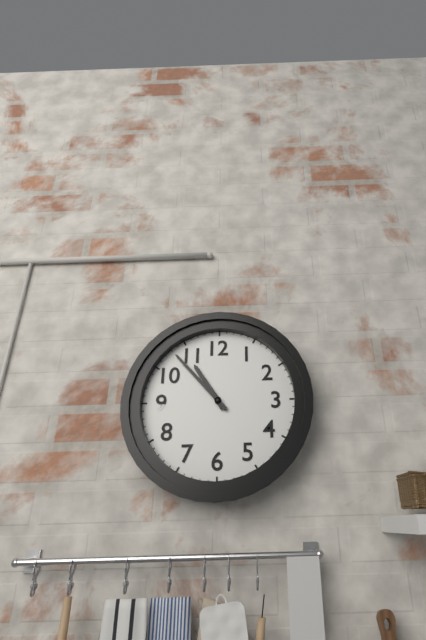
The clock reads 10,53
